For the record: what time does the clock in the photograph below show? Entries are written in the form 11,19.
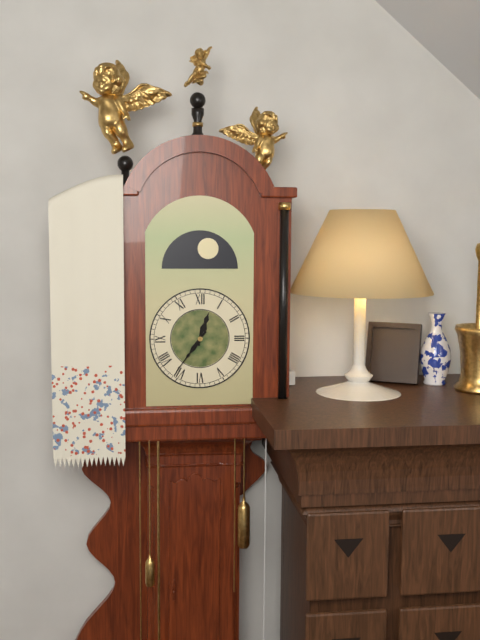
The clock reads 12,36
